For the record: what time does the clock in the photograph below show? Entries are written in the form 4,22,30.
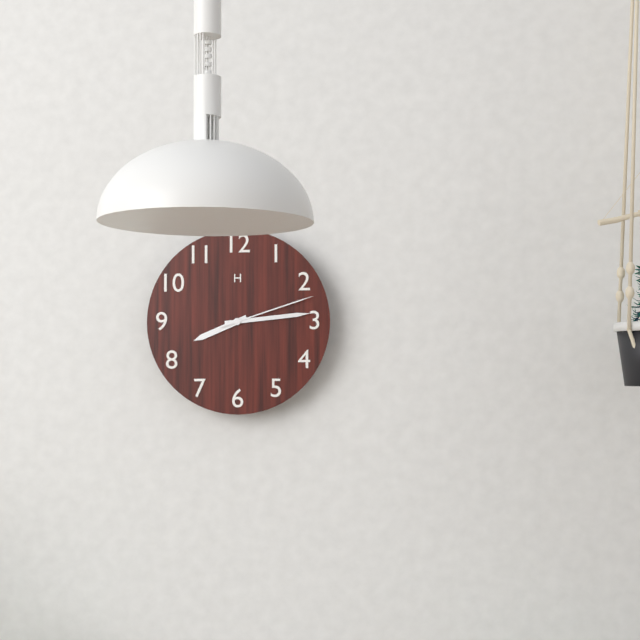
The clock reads 8,14,12
